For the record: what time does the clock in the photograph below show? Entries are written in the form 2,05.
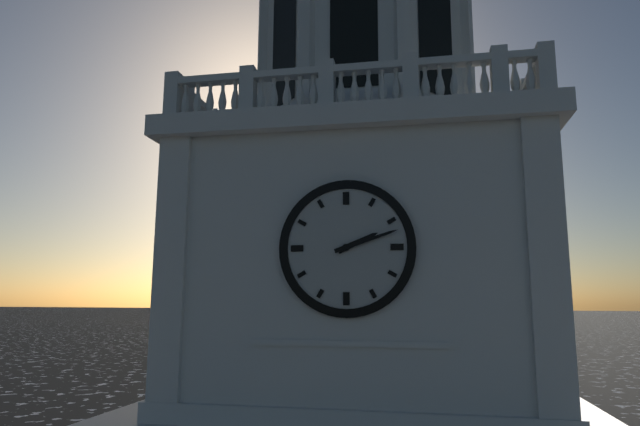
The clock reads 2,12
